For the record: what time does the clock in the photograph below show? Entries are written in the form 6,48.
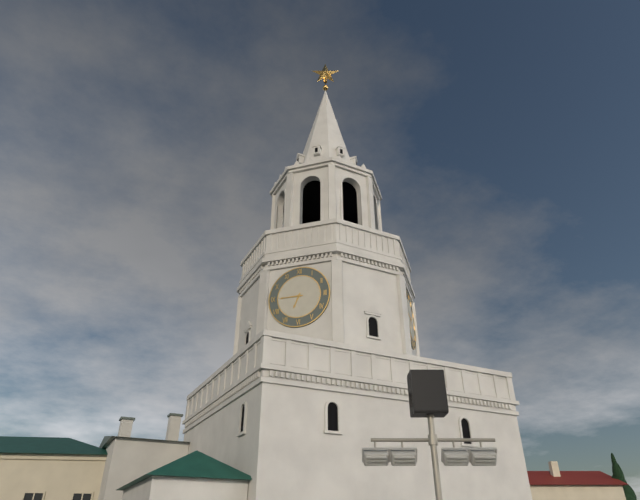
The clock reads 6,45
